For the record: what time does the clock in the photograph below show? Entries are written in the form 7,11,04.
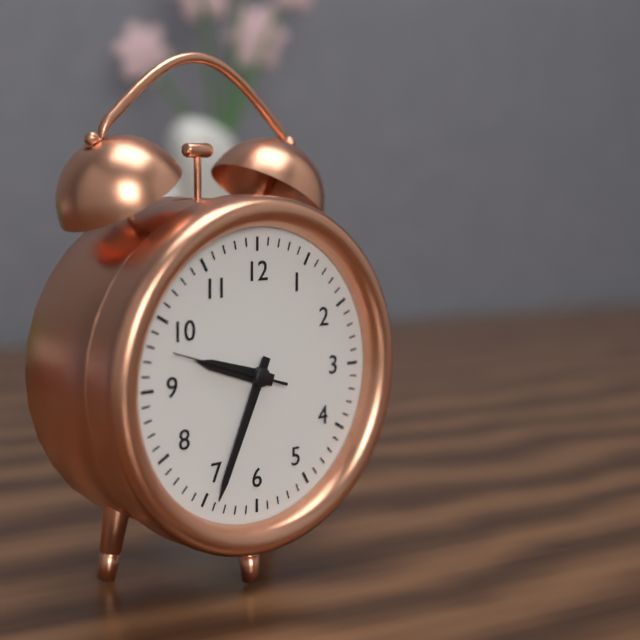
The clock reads 9,34,48
